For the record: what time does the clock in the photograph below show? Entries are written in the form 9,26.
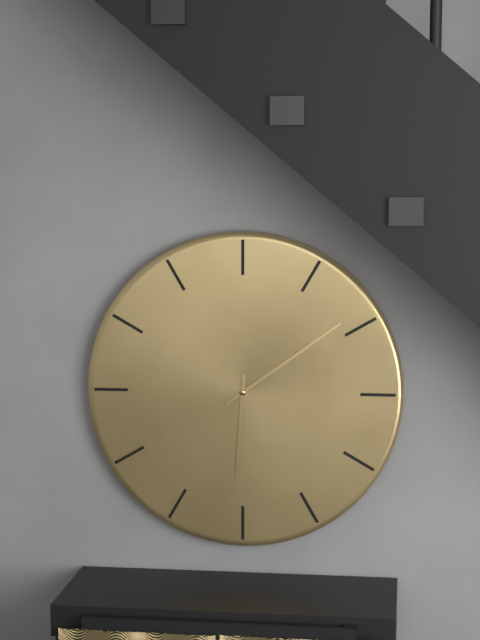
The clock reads 6,09
